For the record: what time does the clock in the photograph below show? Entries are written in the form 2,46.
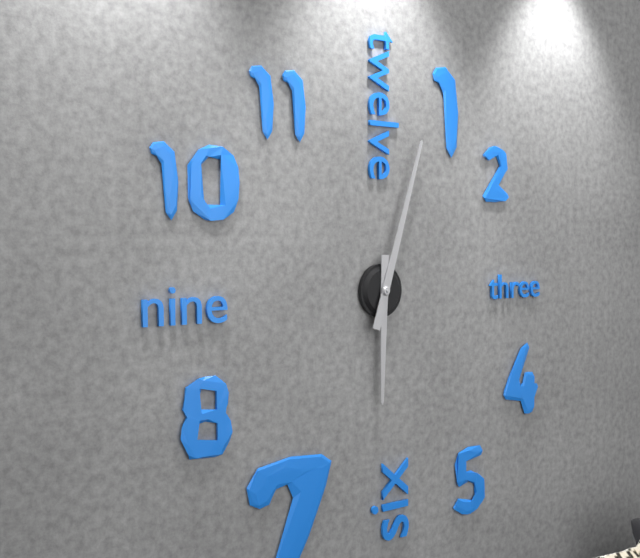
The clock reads 6,03
